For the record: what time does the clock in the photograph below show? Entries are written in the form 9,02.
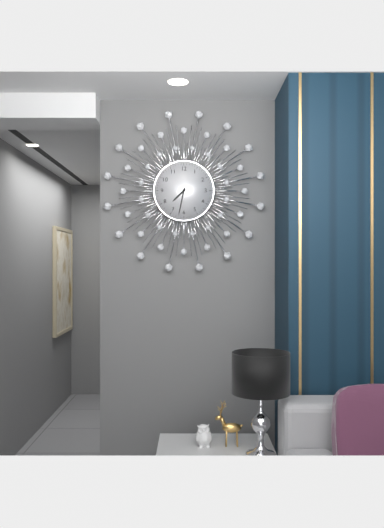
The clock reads 7,32
